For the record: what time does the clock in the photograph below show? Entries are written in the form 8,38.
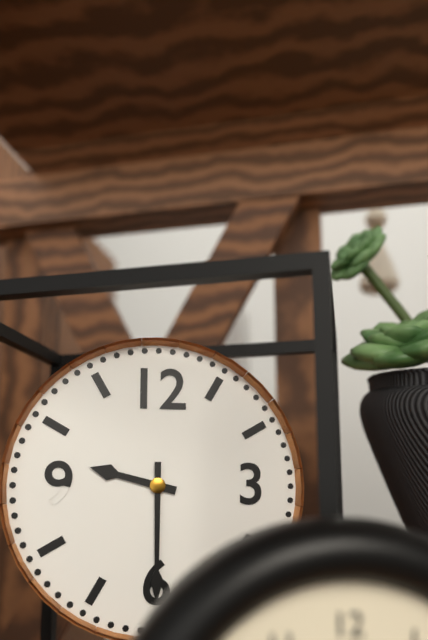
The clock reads 9,30
